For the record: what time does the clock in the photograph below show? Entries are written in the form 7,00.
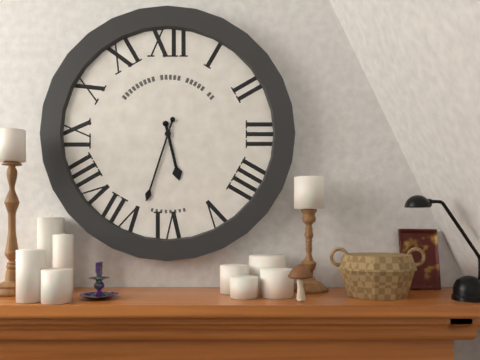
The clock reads 5,33
